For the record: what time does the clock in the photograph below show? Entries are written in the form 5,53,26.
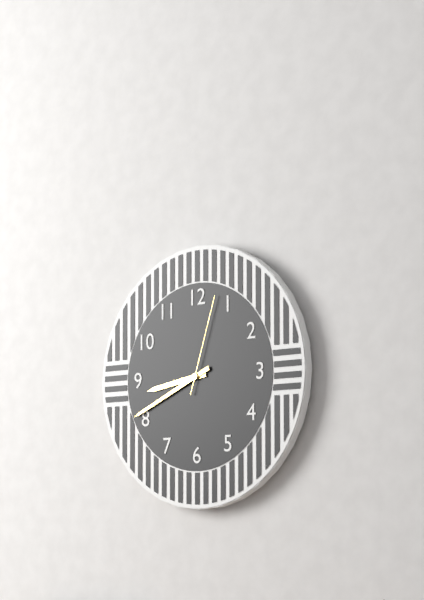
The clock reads 8,41,03
